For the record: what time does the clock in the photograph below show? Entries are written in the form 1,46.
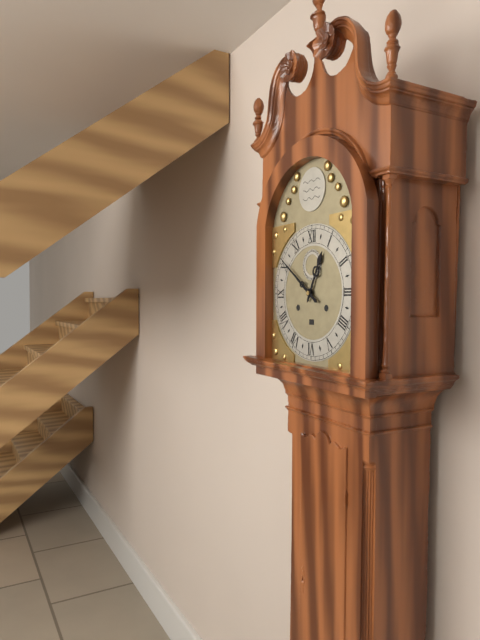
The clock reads 12,51
